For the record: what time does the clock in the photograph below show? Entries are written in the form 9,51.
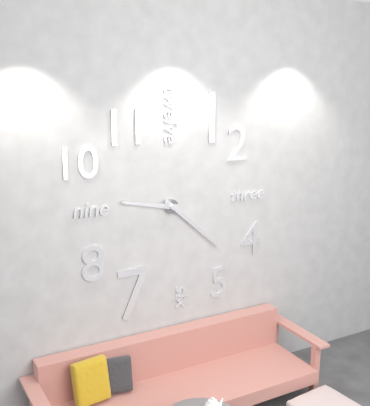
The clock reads 9,22
